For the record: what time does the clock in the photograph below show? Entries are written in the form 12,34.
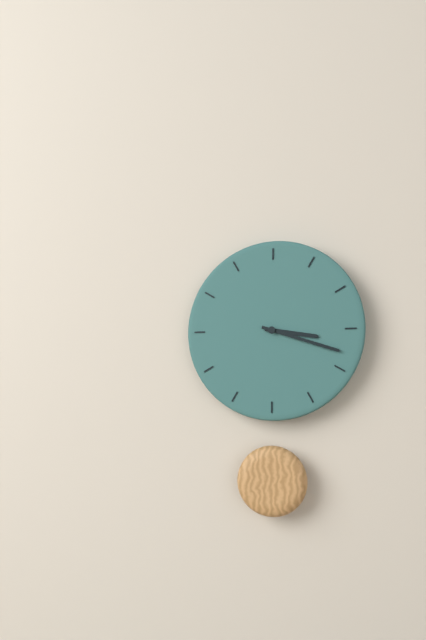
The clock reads 3,18
